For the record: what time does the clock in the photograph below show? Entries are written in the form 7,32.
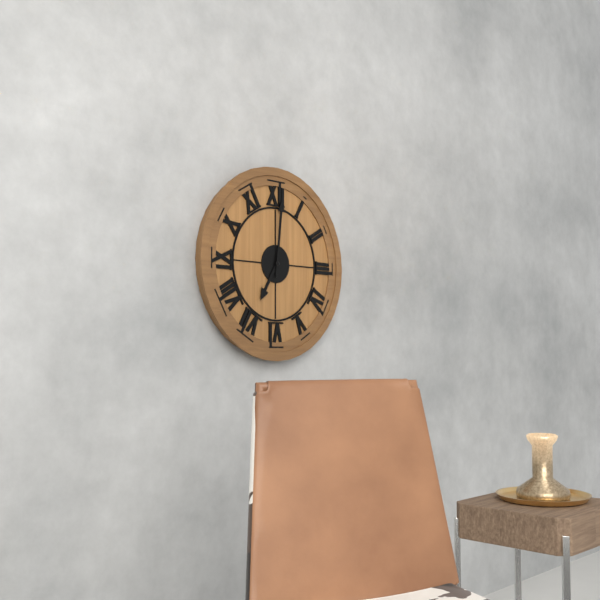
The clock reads 7,01
